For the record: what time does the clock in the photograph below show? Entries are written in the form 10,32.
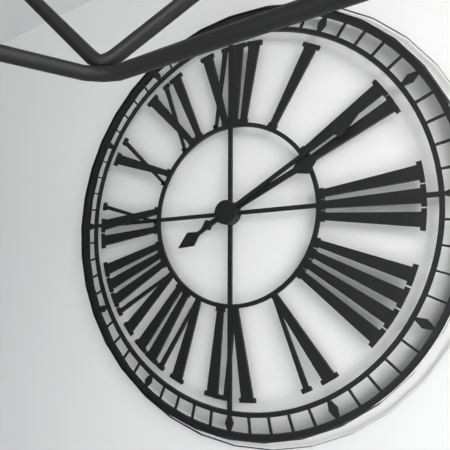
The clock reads 2,10
